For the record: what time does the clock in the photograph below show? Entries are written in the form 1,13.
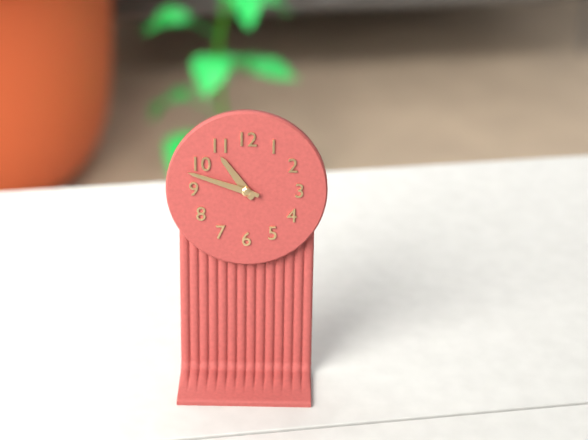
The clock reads 10,48
